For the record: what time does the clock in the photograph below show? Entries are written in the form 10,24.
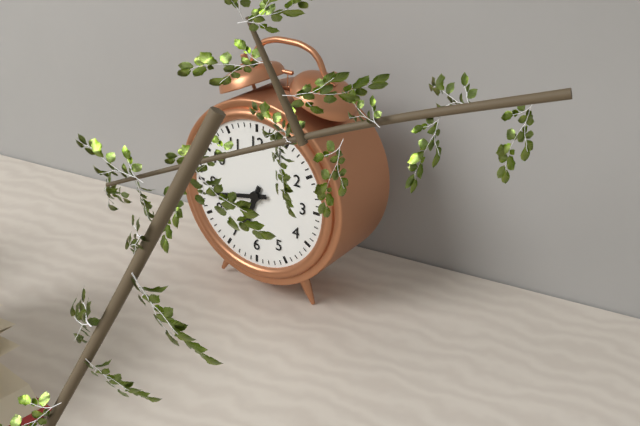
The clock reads 6,43
